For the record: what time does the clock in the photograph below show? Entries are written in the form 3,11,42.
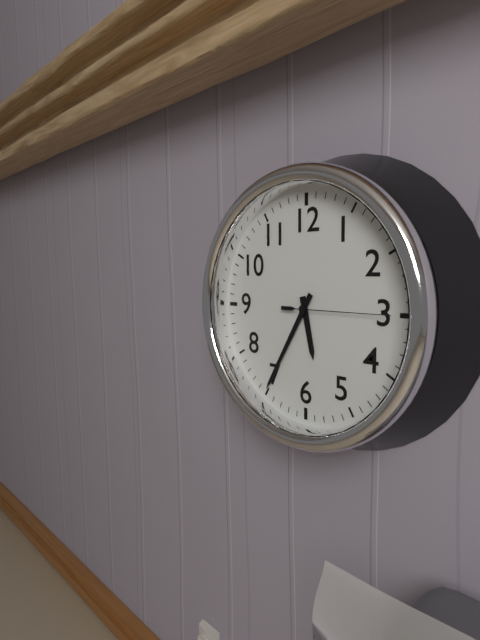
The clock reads 5,35,15
